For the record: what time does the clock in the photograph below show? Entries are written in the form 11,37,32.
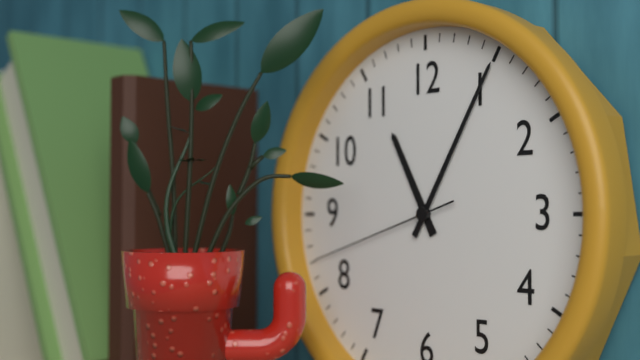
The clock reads 11,05,42
